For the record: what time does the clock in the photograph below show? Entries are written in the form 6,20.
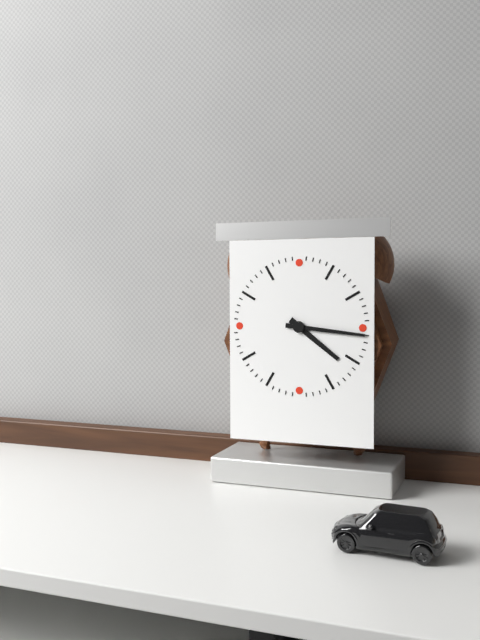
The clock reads 4,16
